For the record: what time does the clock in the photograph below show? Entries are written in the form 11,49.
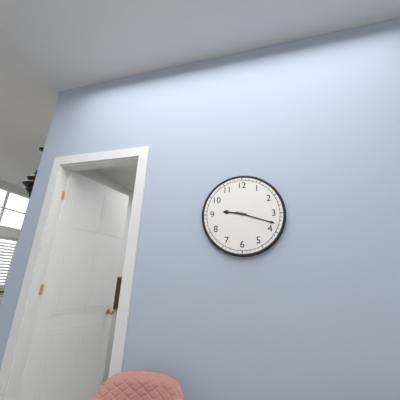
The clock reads 9,18
